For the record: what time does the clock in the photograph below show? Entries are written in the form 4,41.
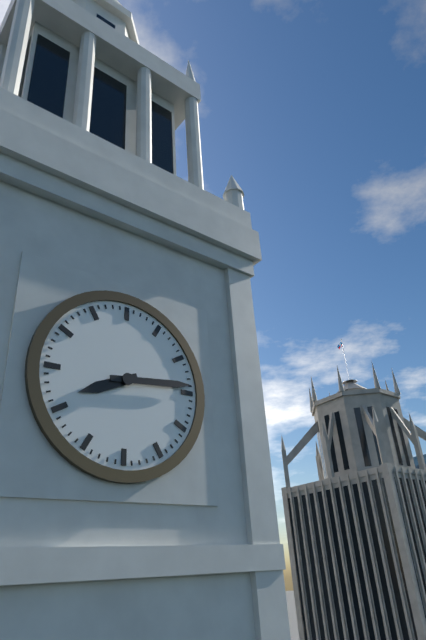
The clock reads 8,14
